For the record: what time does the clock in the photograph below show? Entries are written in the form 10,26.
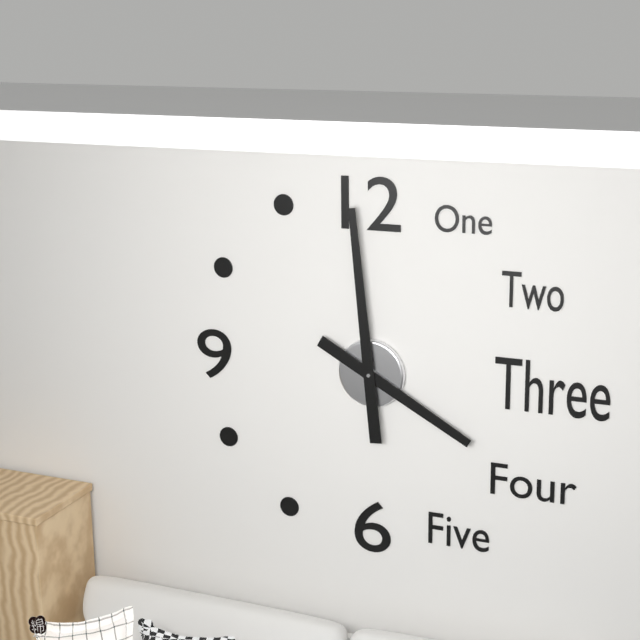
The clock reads 3,59
